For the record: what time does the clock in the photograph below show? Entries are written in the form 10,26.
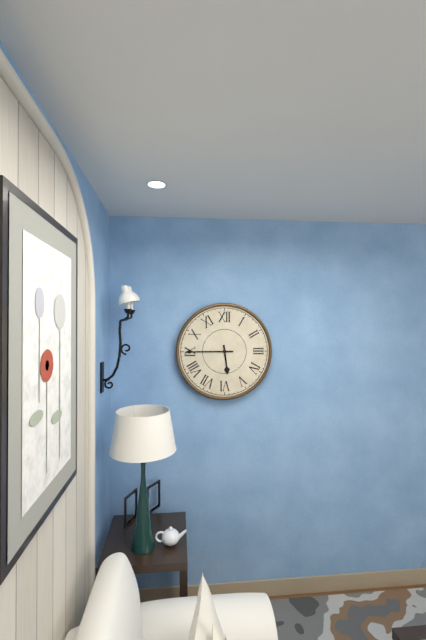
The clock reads 5,45
